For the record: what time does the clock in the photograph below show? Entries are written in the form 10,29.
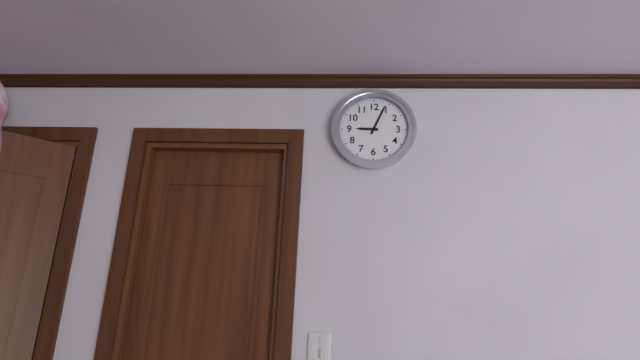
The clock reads 9,04
